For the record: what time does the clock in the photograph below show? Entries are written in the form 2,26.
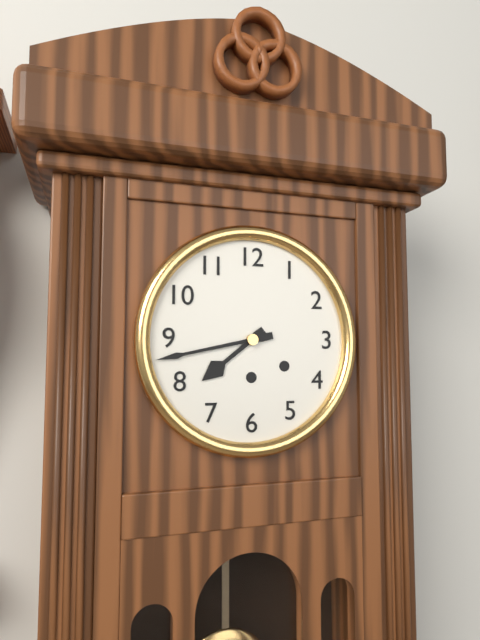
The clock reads 7,43
